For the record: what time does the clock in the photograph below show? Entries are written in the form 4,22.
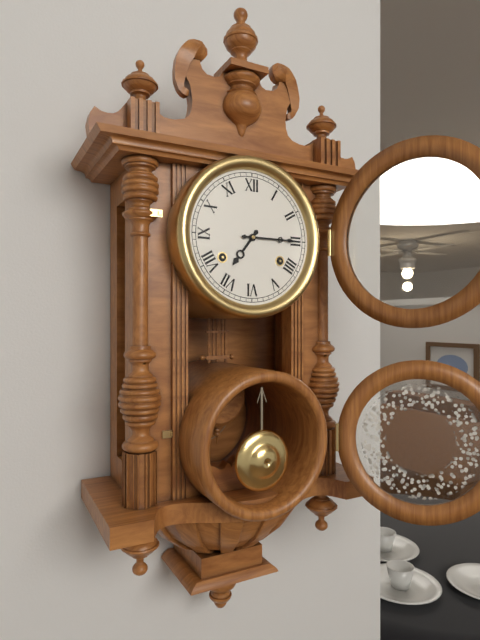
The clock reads 7,15
